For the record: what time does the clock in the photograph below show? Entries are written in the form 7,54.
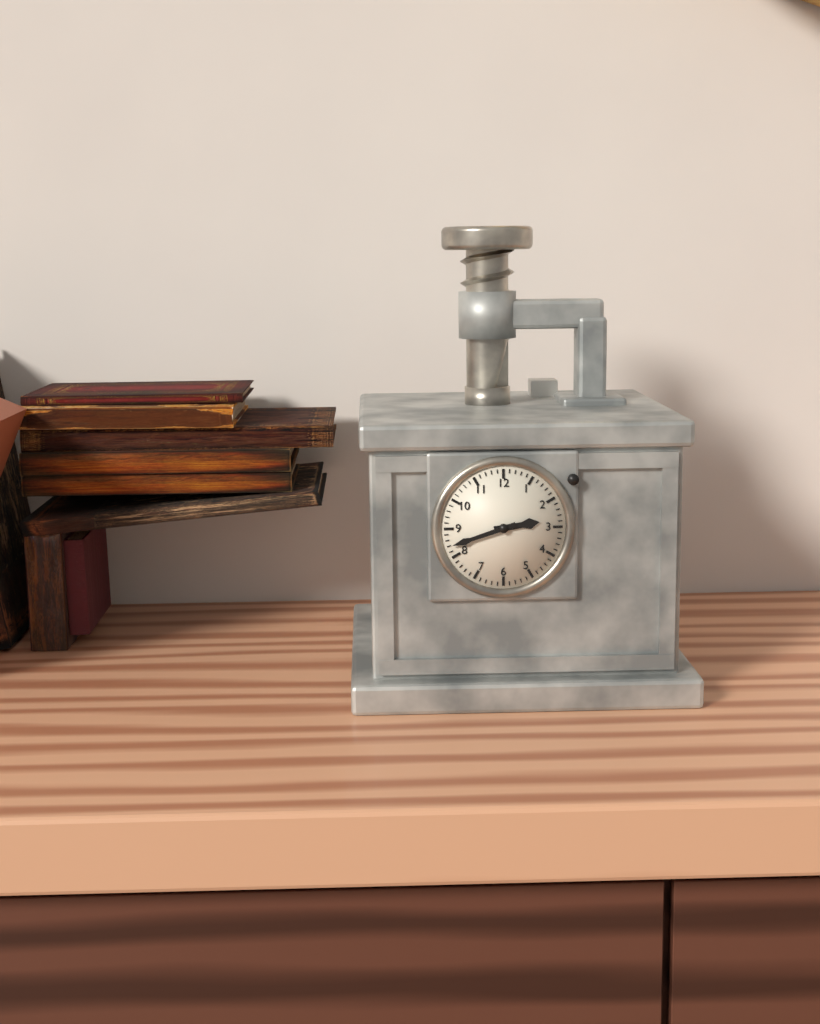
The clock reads 2,42
